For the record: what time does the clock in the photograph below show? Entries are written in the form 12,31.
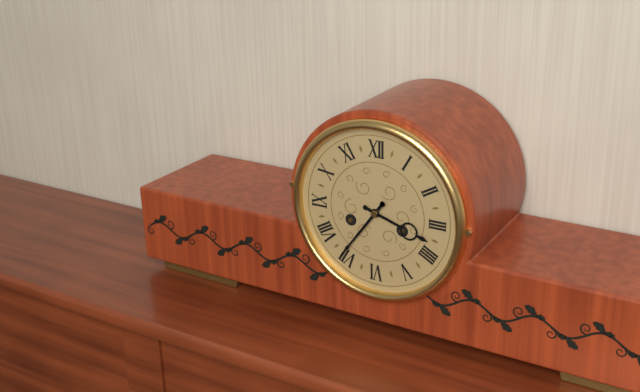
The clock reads 3,36
